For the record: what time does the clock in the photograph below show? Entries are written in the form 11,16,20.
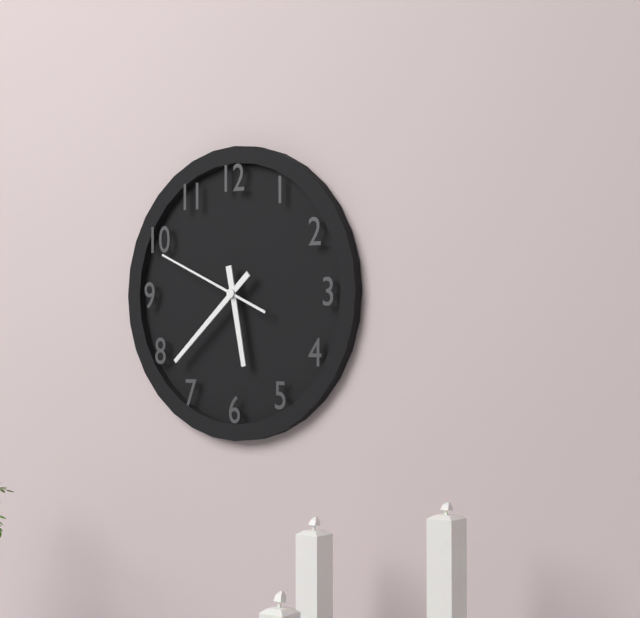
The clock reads 5,38,49
